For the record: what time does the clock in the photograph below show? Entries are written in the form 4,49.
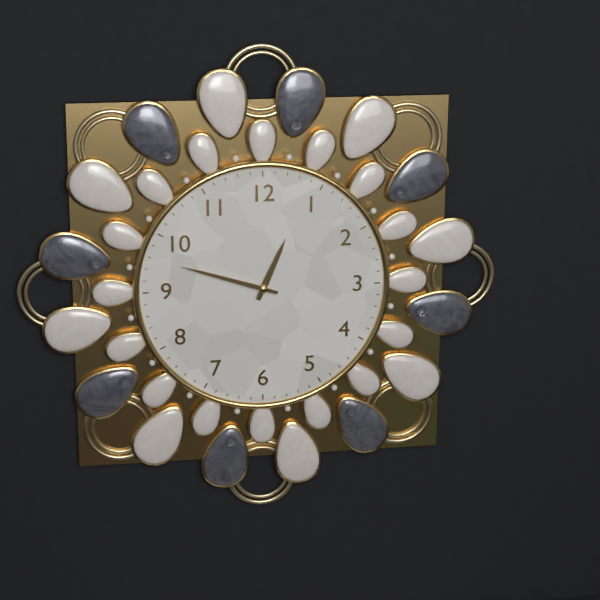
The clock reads 12,48
